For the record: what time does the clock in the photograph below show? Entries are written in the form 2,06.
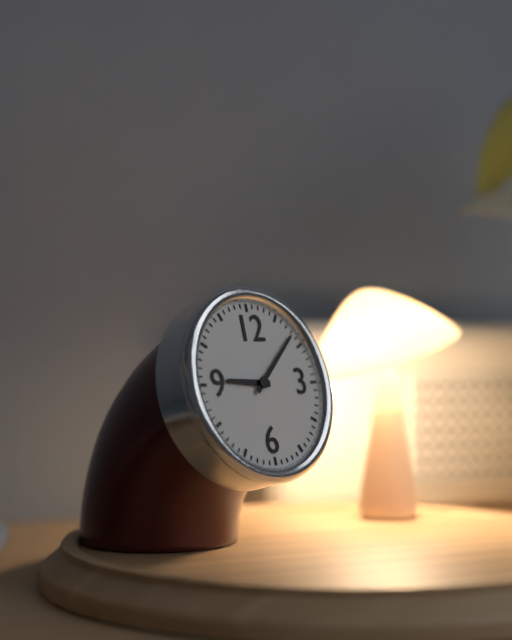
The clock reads 9,08
